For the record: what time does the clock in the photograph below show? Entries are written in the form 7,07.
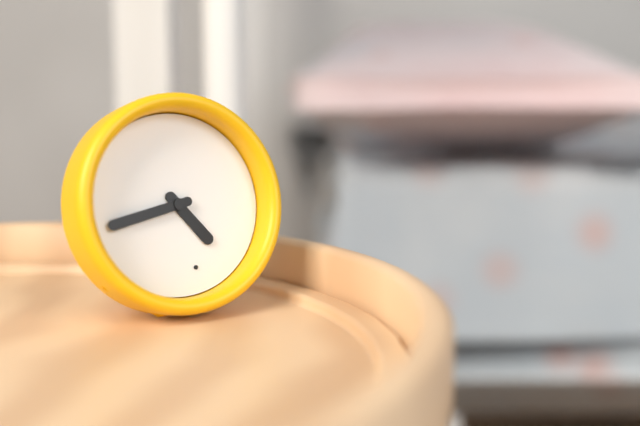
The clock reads 4,43
